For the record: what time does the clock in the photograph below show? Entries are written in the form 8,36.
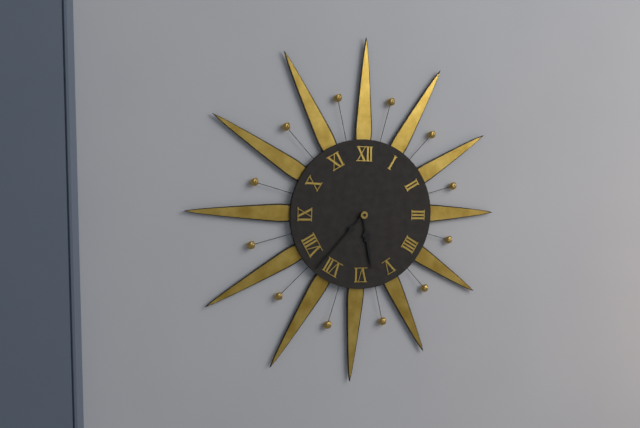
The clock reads 5,37
